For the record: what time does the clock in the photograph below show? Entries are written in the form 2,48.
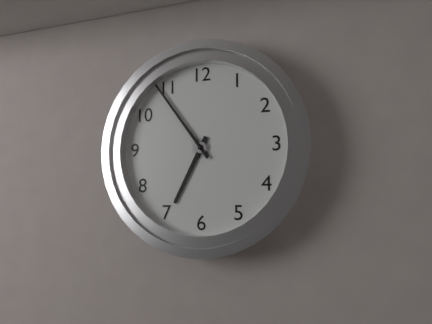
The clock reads 6,54
